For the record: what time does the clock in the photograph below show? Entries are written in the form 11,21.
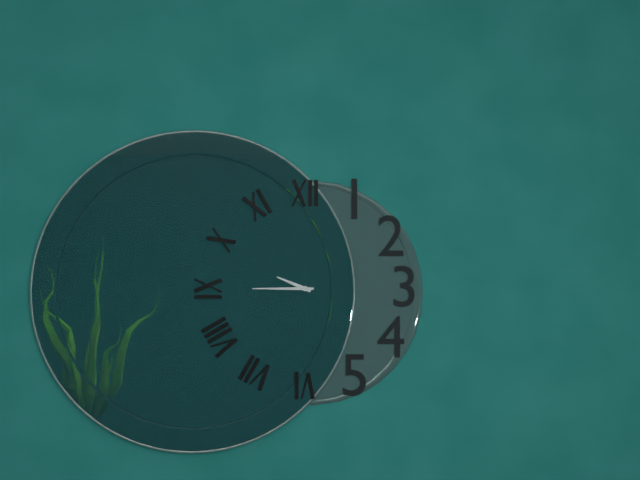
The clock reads 9,45
